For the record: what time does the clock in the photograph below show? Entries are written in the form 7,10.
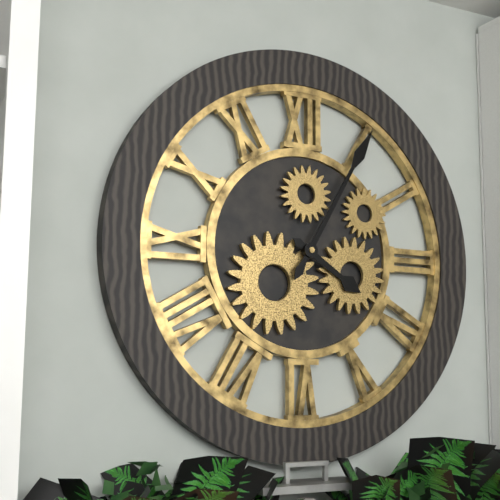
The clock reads 4,05
